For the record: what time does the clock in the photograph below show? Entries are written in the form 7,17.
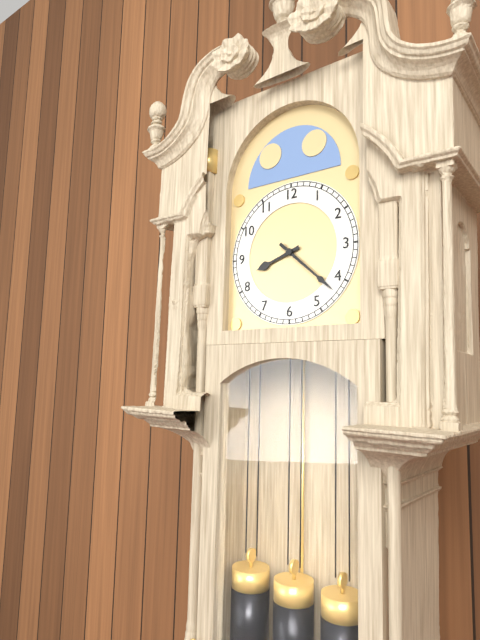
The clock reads 8,22
